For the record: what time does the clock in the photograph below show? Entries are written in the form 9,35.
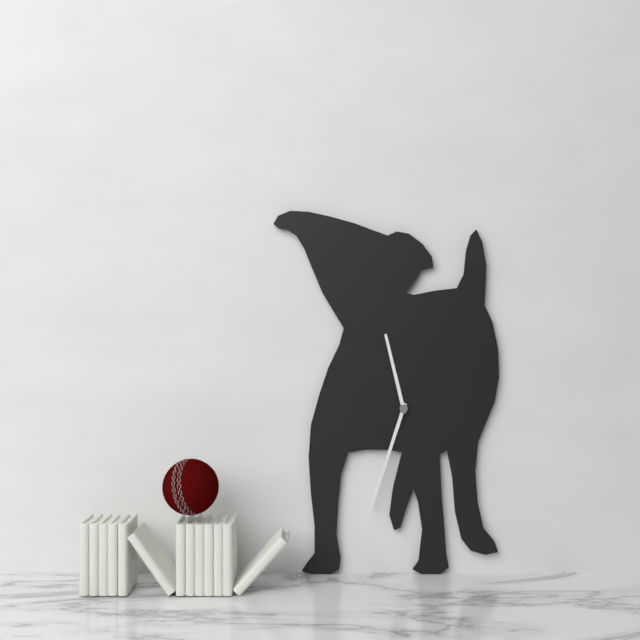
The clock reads 11,33
